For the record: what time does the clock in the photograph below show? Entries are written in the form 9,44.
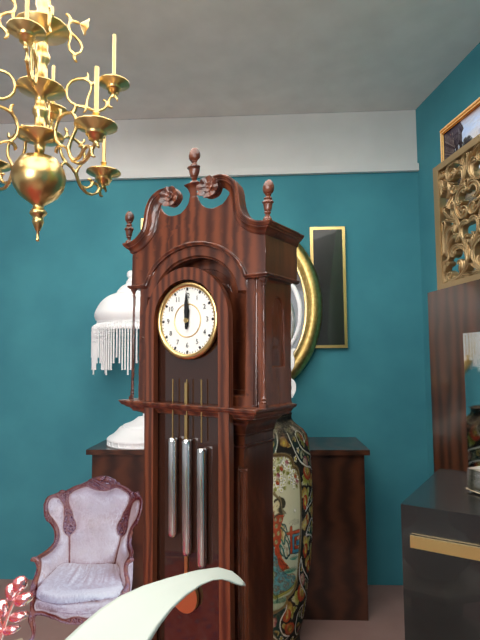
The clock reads 12,00
